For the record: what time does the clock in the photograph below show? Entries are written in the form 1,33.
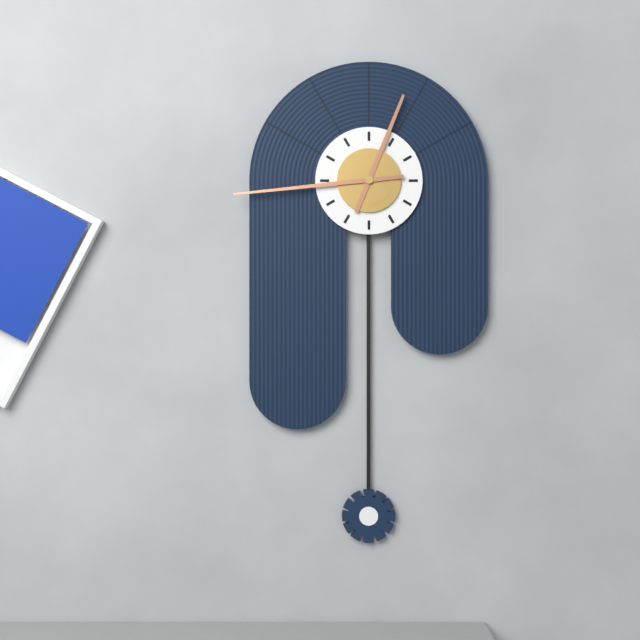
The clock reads 12,44
